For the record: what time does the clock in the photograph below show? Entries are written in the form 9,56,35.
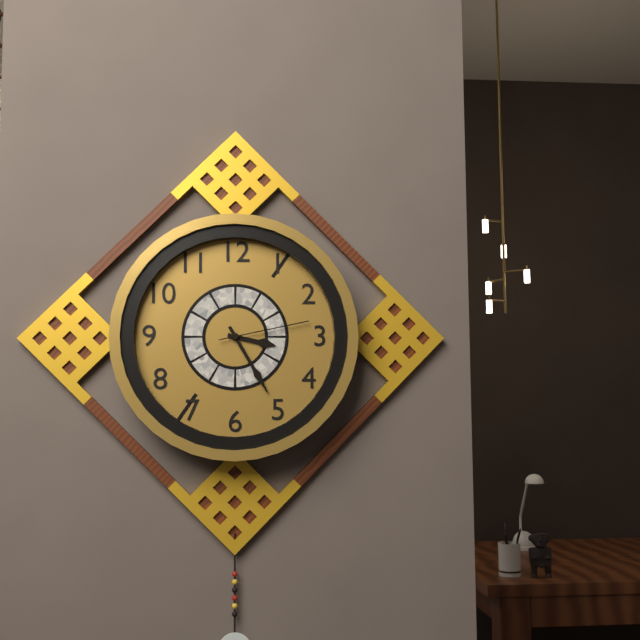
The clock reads 3,25,13
